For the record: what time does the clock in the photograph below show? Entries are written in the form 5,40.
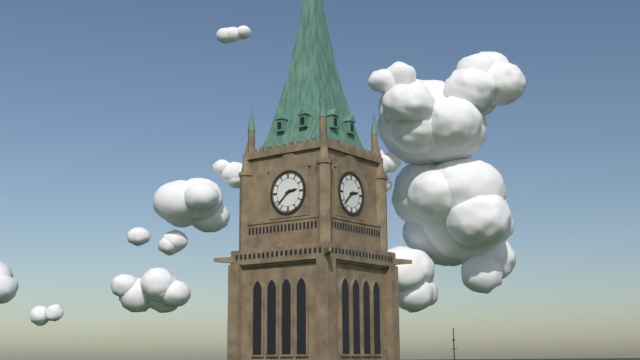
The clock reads 2,38
